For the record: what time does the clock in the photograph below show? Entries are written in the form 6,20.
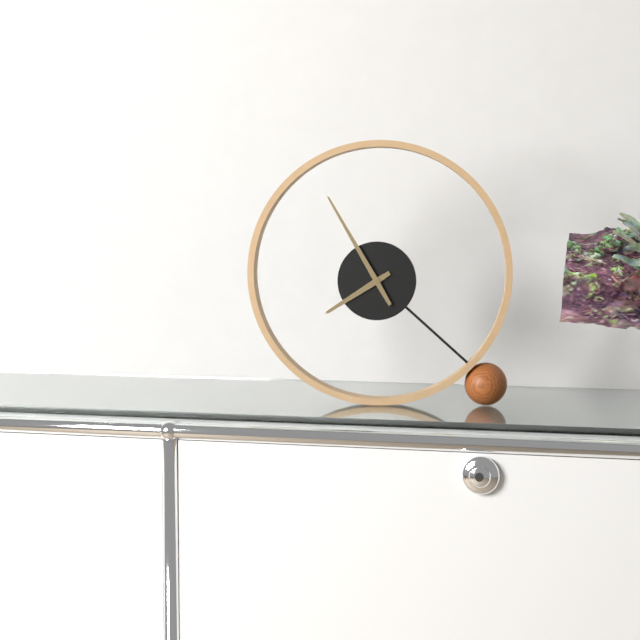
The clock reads 7,55
